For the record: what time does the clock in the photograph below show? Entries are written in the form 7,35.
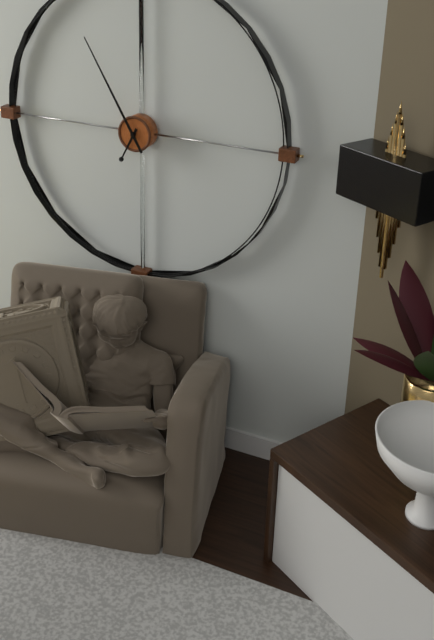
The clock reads 6,55
